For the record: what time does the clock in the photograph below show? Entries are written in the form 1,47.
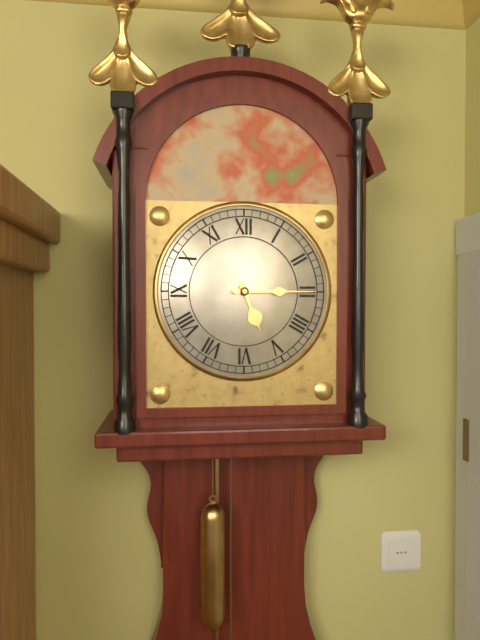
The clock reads 5,15
